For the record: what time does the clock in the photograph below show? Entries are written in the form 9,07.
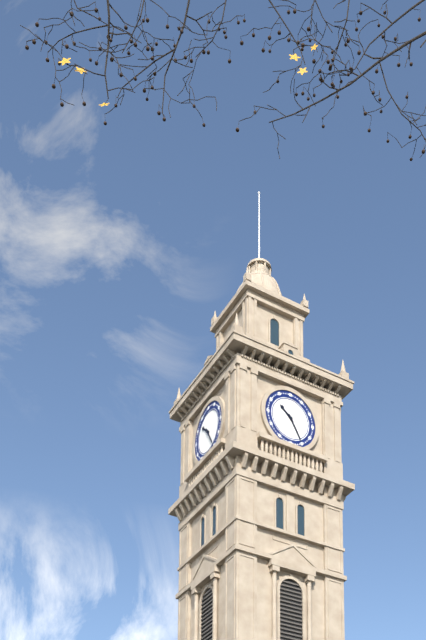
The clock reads 10,25
